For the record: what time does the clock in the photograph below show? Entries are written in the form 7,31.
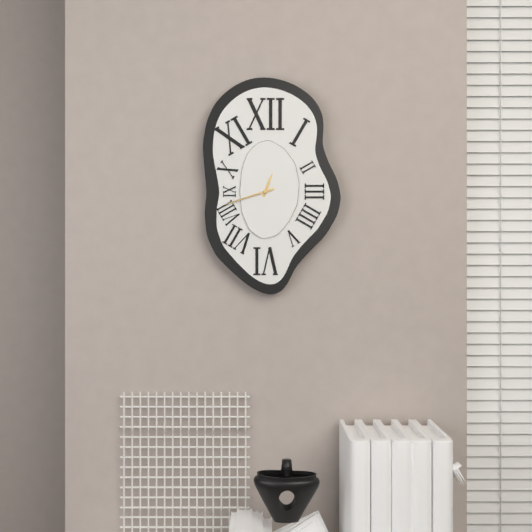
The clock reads 12,42
